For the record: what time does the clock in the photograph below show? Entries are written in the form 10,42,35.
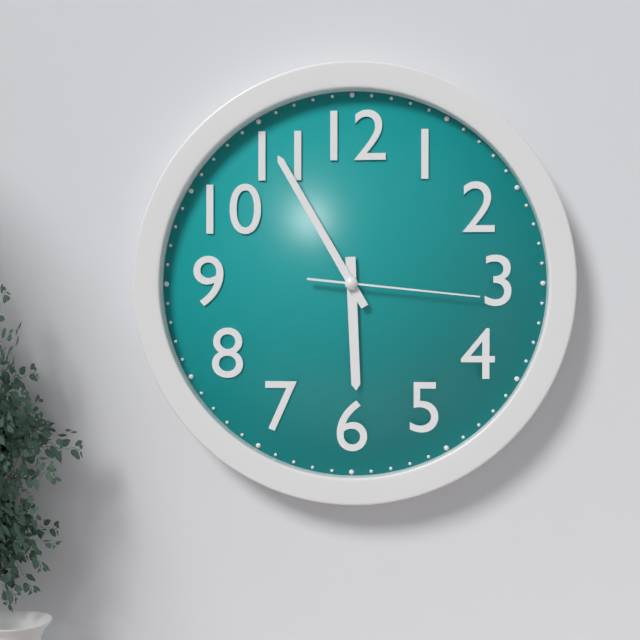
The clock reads 5,55,16
